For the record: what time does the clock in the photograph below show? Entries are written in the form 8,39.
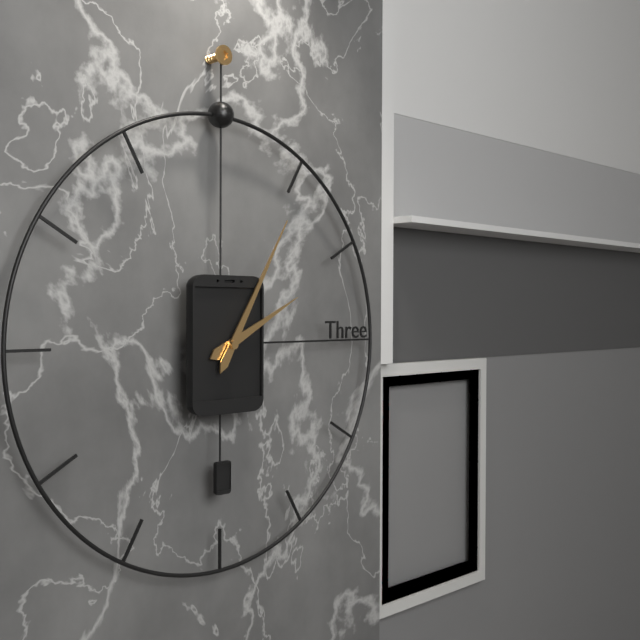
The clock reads 2,05
